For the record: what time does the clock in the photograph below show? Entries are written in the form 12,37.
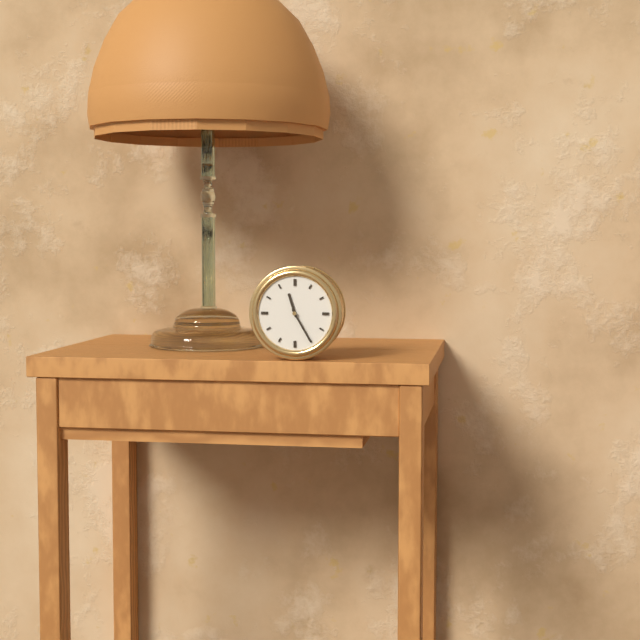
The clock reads 11,25
